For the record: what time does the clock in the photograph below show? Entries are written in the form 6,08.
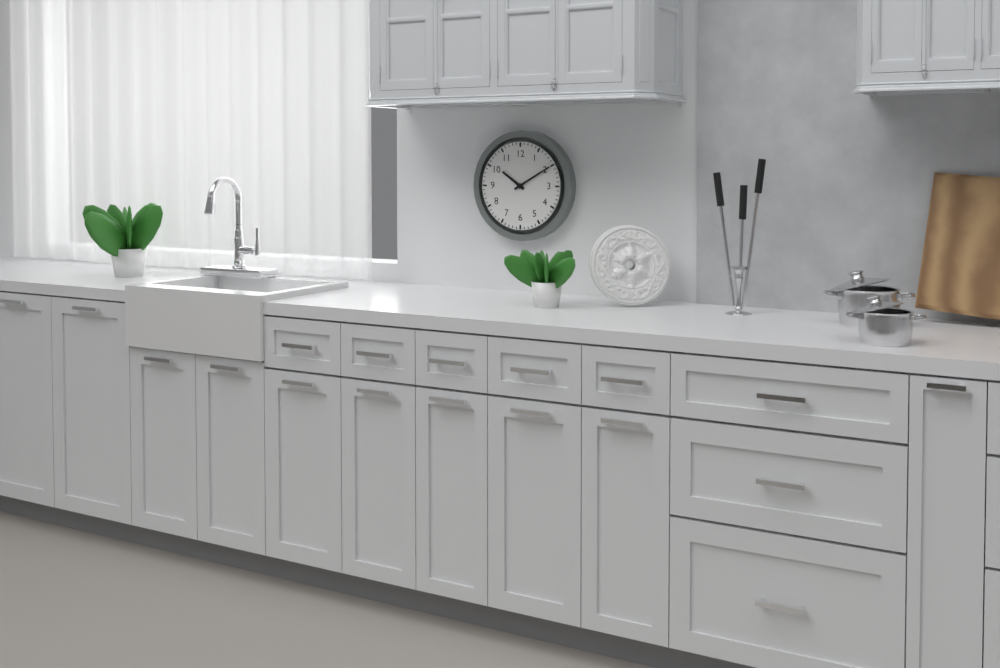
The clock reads 10,10
